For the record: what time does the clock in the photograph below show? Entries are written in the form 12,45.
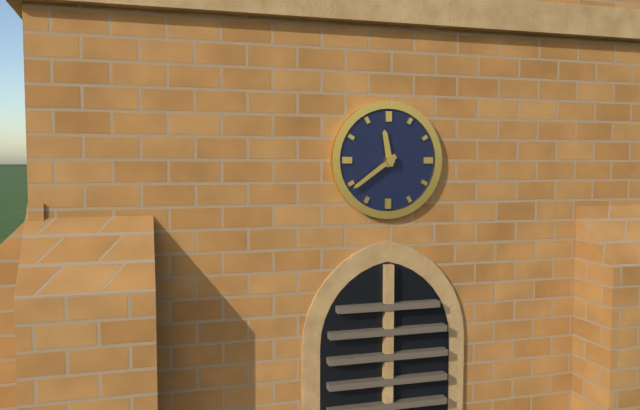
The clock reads 11,39
